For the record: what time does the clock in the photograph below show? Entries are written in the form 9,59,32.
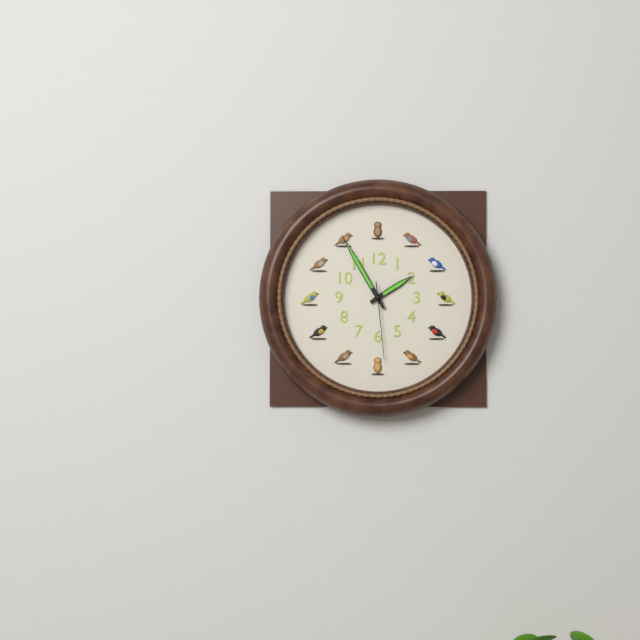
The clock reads 1,55,29
